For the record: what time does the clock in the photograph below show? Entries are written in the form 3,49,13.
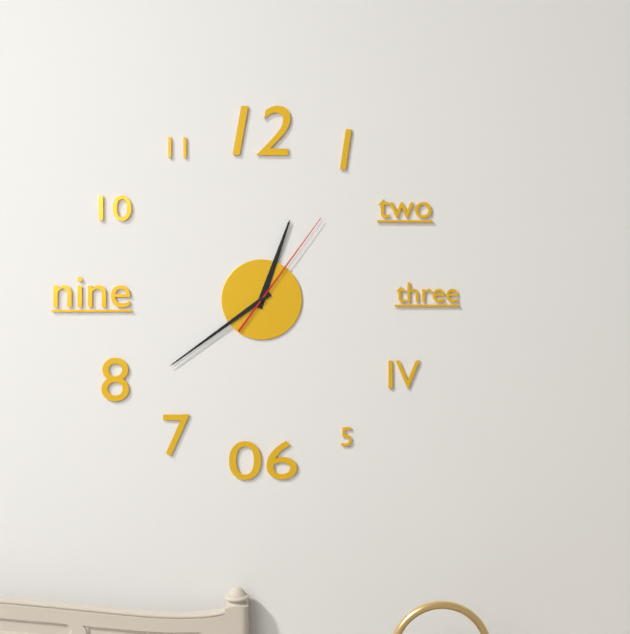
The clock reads 12,39,06
